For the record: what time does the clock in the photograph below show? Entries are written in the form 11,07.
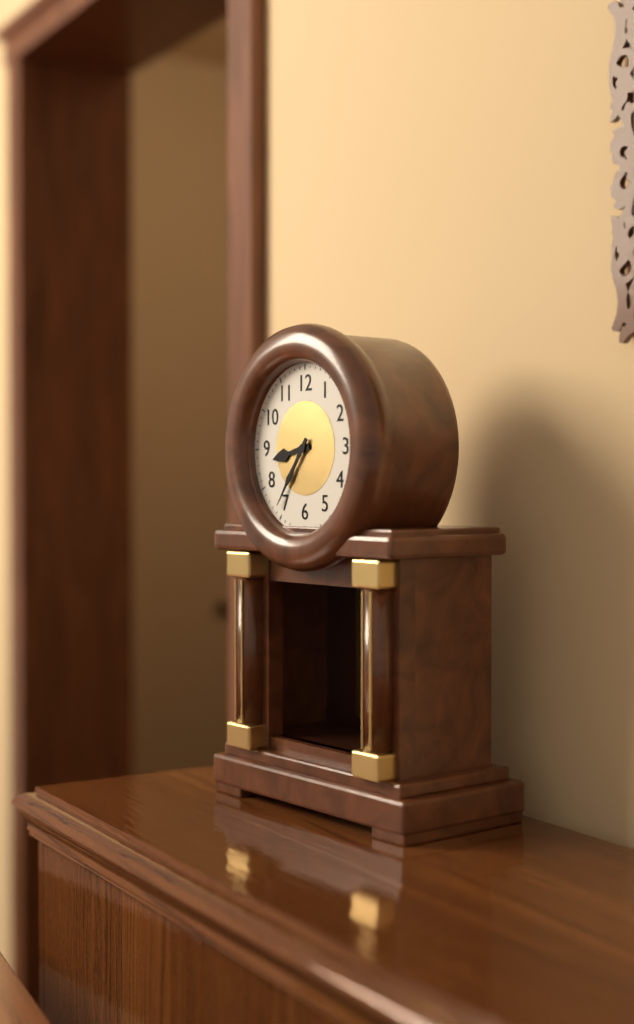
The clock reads 8,36
